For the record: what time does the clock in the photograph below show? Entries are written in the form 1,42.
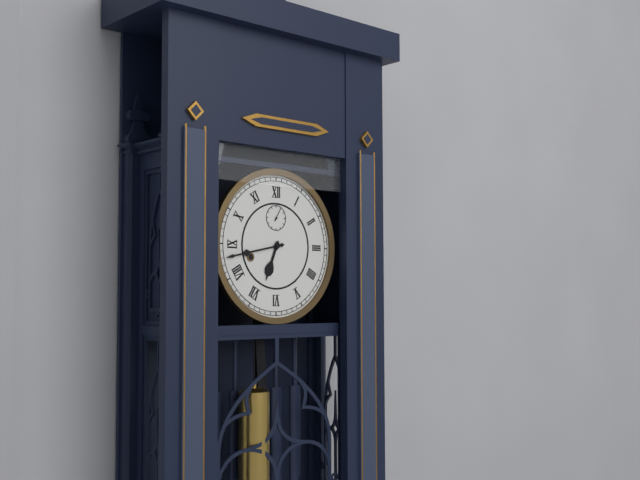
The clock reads 6,43
